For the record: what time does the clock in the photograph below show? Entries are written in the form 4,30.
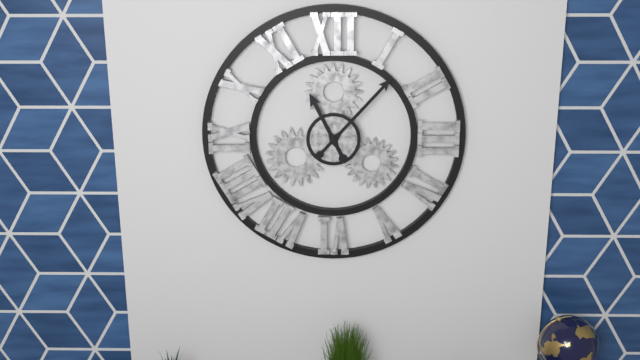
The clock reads 11,07
